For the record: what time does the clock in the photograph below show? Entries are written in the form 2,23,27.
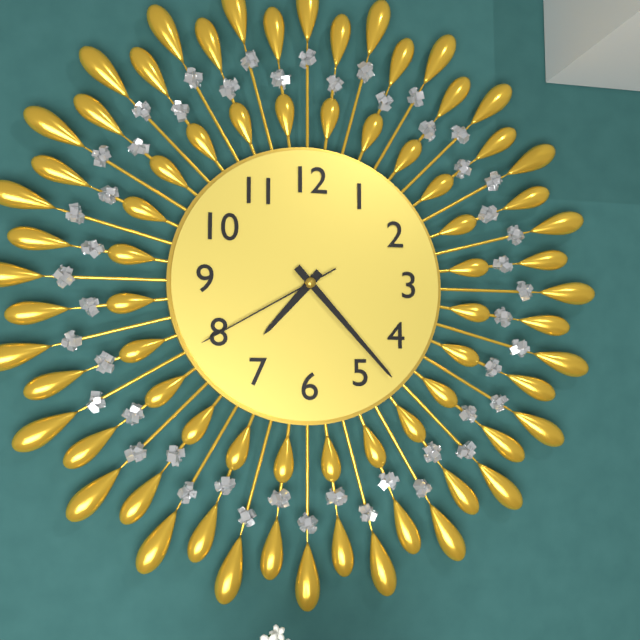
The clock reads 7,23,40
